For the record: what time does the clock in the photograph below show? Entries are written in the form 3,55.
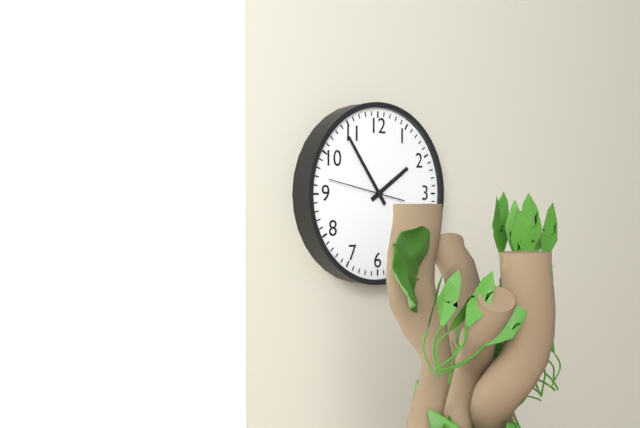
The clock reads 1,54
